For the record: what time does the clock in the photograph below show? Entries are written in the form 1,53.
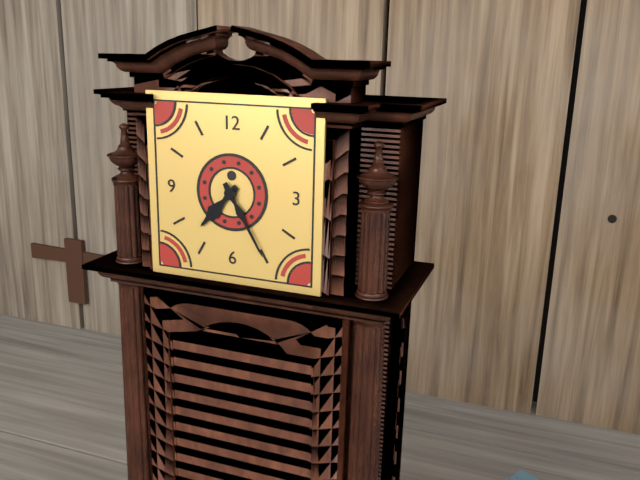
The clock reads 7,25
